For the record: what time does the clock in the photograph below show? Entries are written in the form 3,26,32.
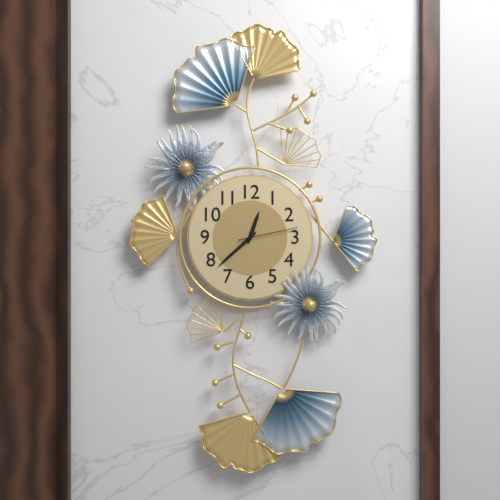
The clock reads 12,38,13
